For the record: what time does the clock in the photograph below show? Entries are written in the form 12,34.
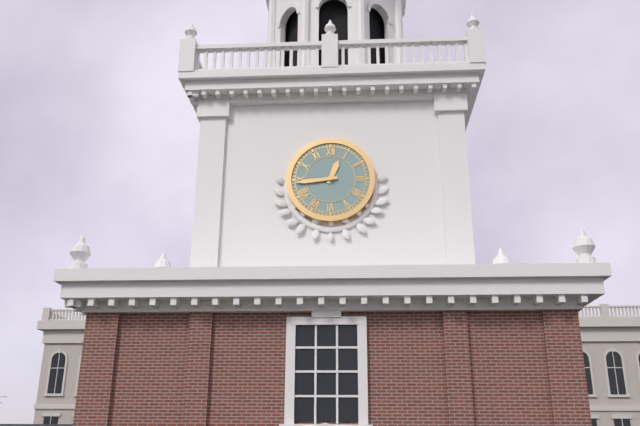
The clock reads 12,44
